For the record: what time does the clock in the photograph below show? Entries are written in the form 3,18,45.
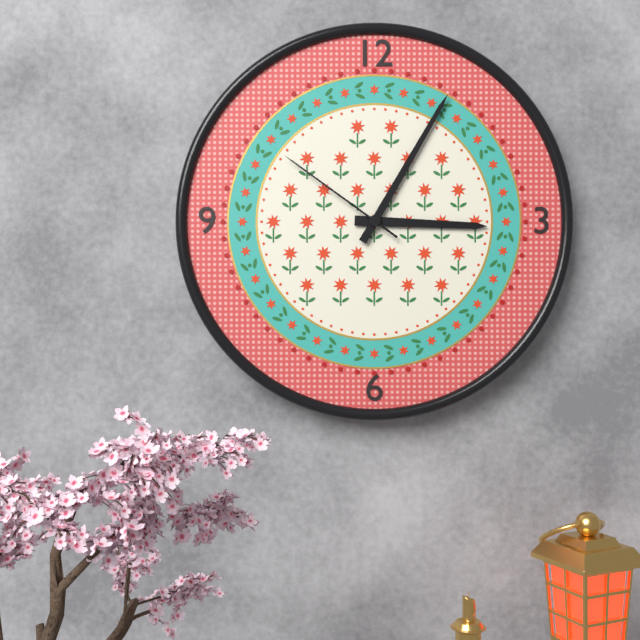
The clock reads 3,05,51
